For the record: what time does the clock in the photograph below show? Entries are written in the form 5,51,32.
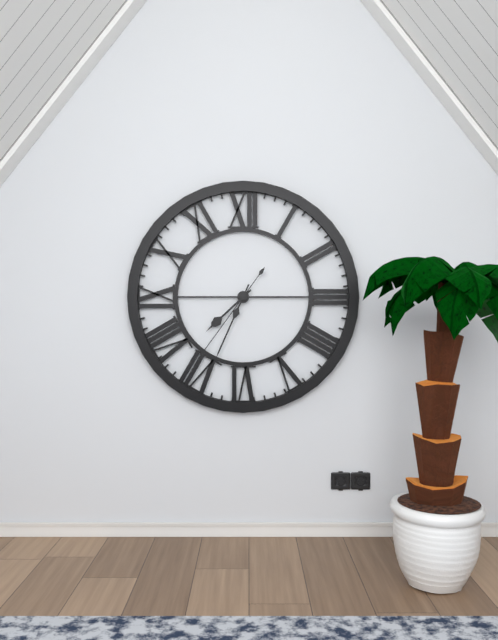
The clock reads 7,34,36
